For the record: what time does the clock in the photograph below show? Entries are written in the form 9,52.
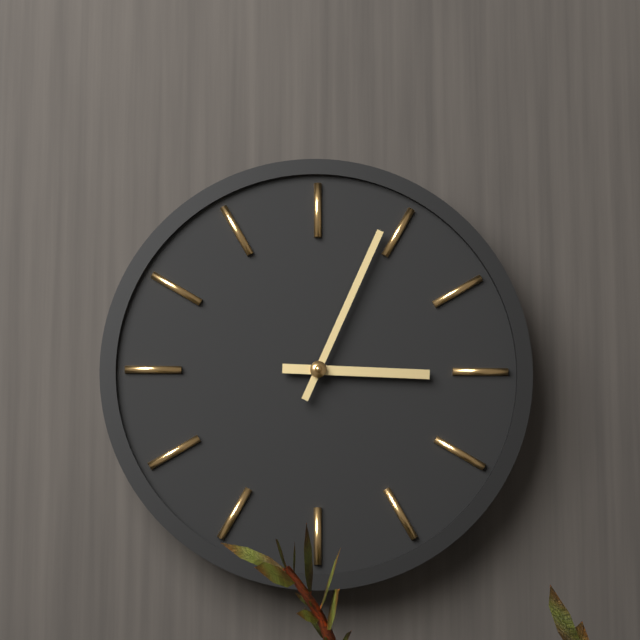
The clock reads 3,04
